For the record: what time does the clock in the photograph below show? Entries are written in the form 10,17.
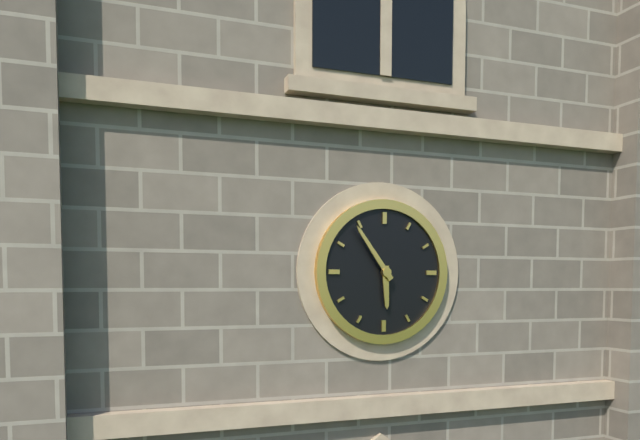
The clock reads 5,54
